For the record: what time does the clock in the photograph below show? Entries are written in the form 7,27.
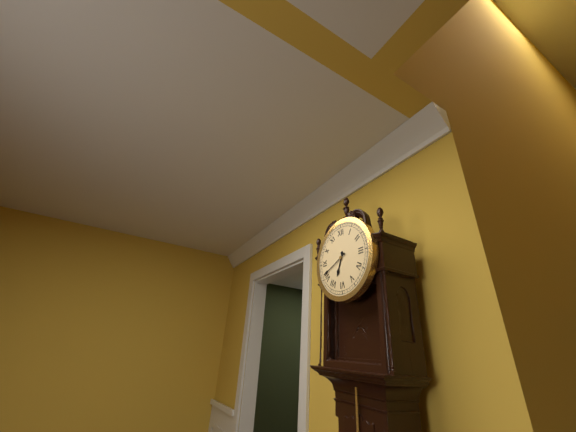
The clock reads 6,41
